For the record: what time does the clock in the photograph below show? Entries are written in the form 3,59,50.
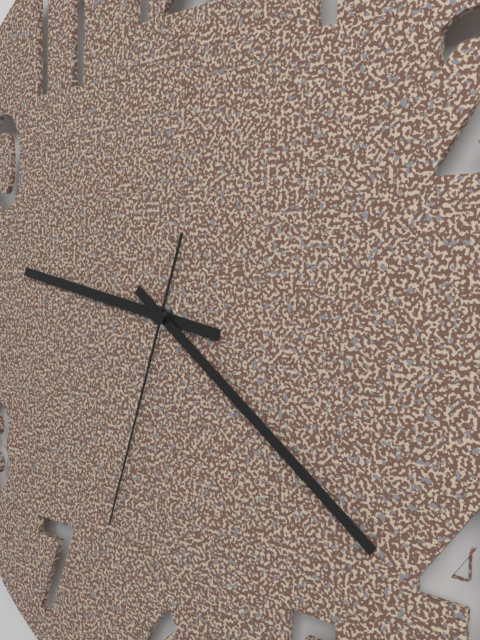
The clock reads 9,21,33
